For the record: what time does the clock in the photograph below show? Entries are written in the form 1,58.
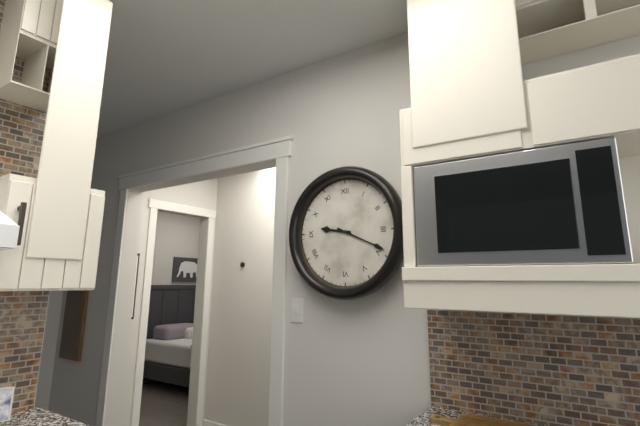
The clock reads 9,19
